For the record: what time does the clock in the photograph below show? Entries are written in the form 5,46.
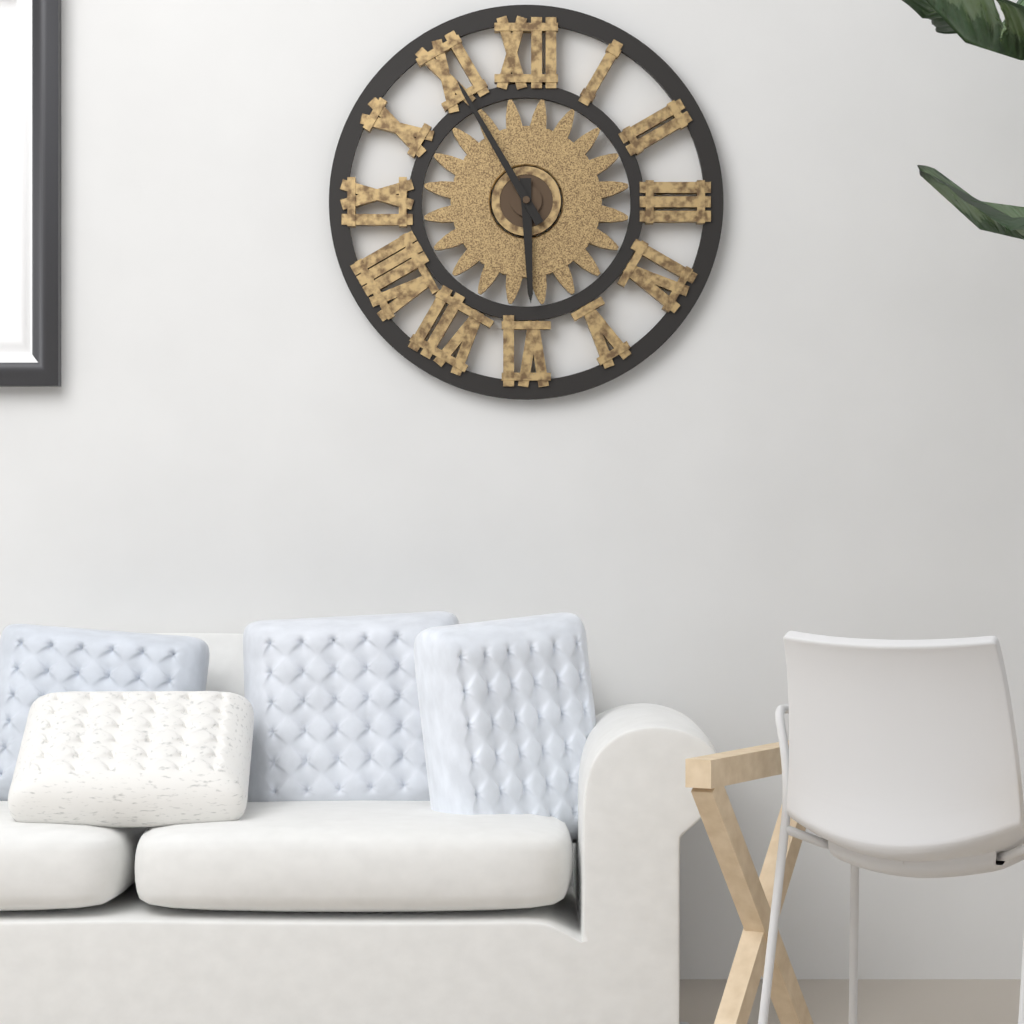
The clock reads 5,55
